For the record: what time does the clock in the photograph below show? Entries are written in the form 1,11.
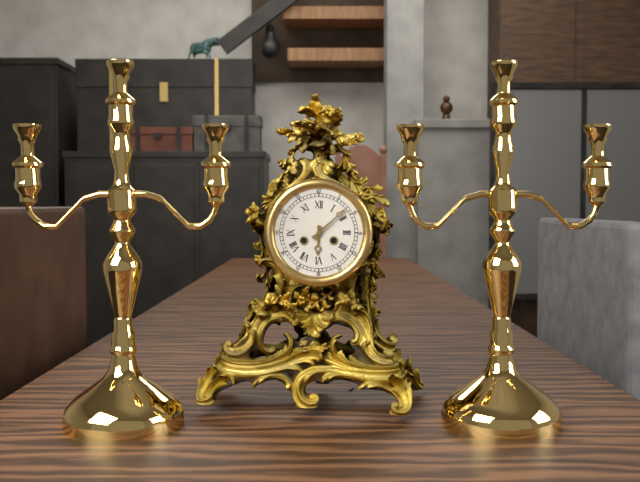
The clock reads 6,08
